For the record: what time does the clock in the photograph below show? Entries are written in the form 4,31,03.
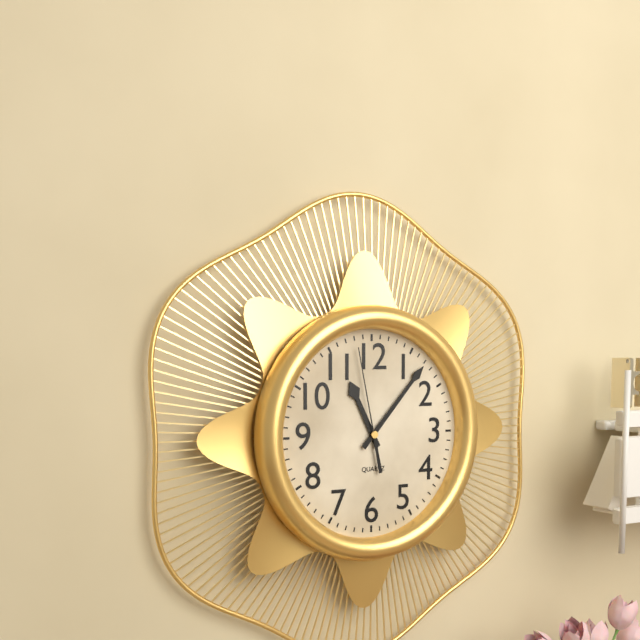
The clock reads 11,07,58
